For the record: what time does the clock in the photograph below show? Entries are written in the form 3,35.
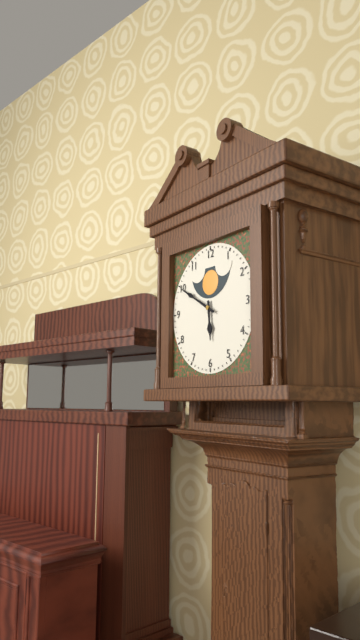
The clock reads 5,50
